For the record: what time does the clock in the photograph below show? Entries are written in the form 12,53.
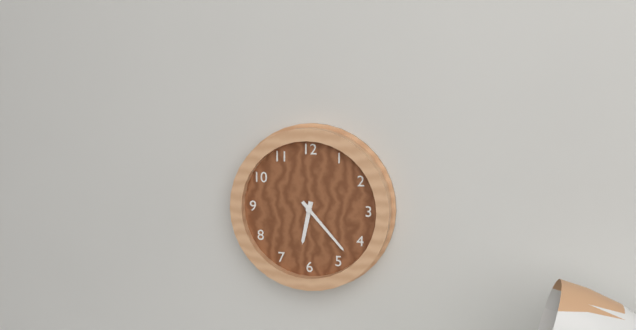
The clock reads 6,23
